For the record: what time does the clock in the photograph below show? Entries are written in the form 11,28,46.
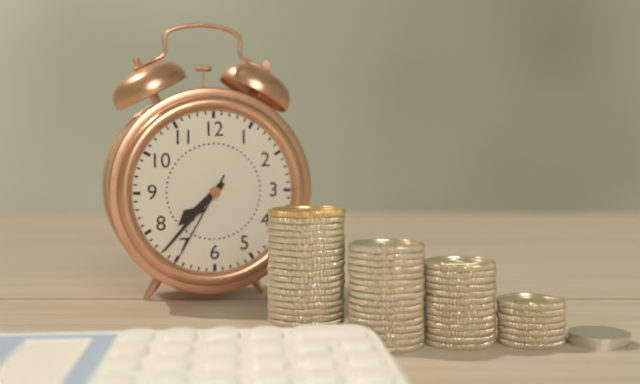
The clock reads 7,37,35
